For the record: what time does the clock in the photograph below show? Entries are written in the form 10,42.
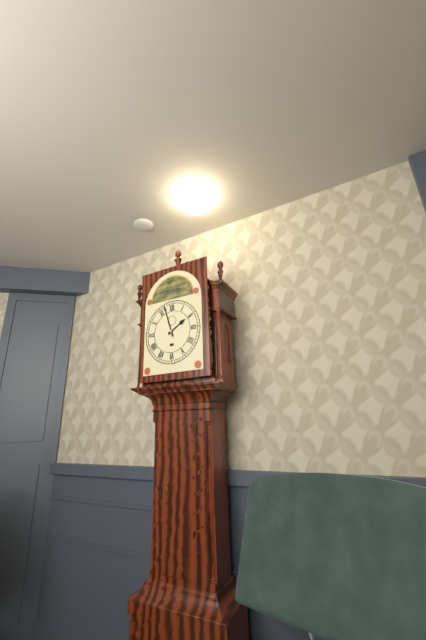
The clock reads 1,57
